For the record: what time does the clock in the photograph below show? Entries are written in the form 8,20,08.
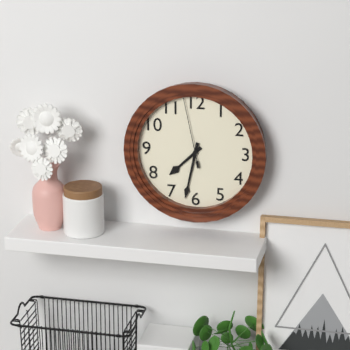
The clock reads 7,32,58
